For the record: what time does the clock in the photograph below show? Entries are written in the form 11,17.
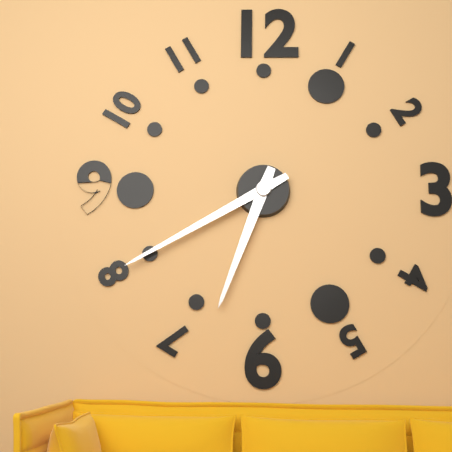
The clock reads 6,40
